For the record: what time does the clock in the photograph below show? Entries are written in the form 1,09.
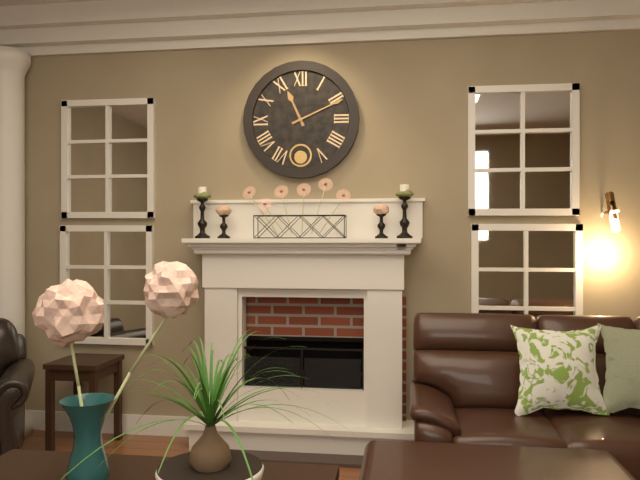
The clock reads 11,11
